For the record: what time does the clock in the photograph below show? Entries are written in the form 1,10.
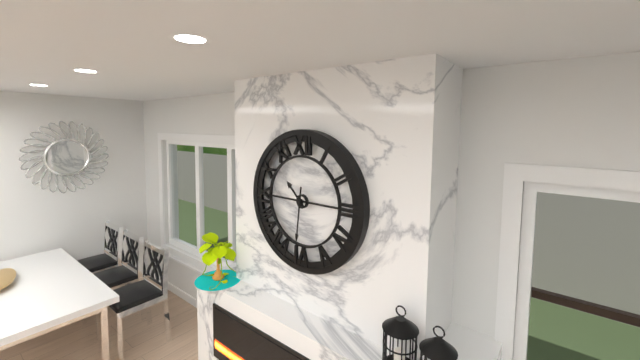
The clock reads 10,31
